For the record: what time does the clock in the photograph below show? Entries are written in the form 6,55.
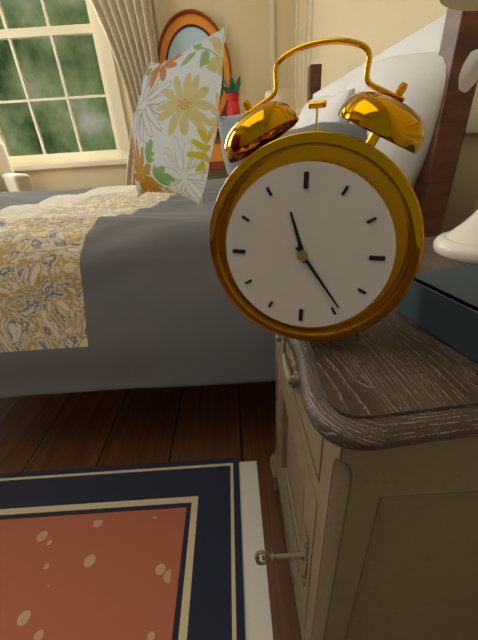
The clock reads 11,24
